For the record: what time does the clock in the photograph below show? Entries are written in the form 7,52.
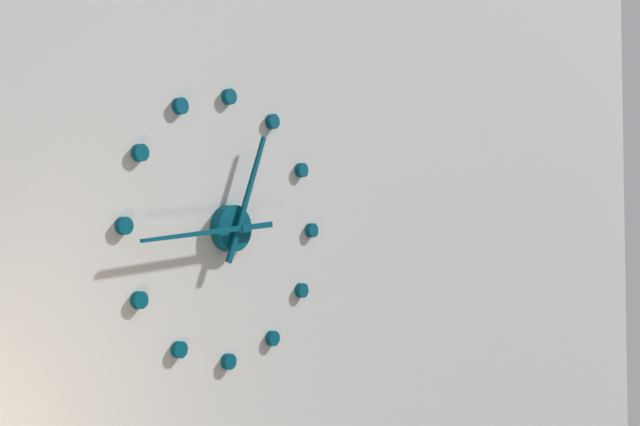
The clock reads 12,44
